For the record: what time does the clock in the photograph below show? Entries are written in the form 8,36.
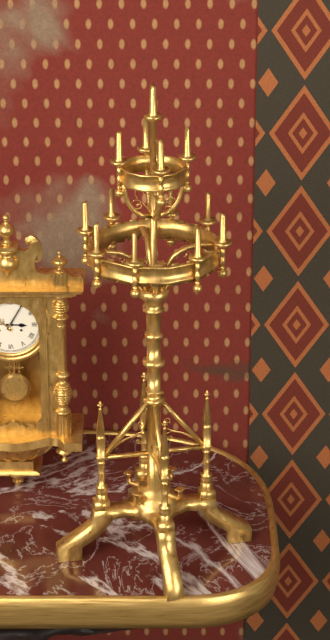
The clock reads 3,05
